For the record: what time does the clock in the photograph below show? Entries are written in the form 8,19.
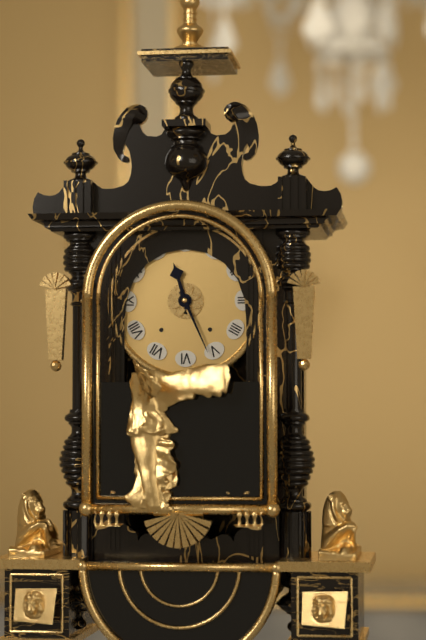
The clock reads 11,26
